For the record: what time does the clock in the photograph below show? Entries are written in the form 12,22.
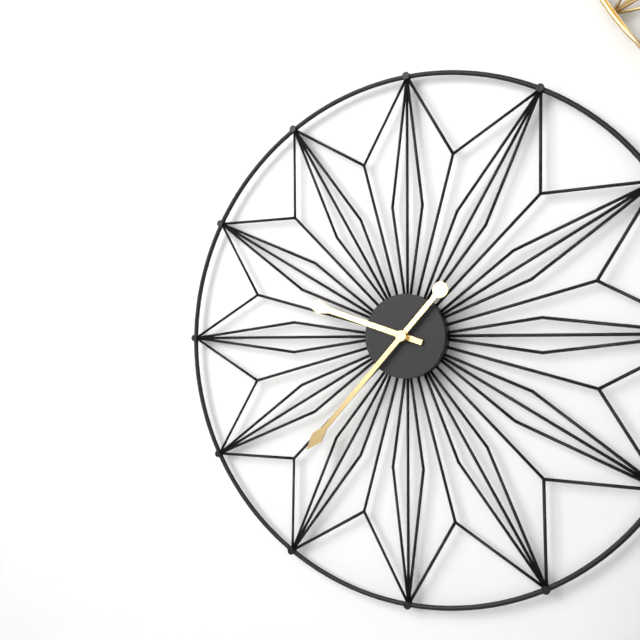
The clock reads 9,37
